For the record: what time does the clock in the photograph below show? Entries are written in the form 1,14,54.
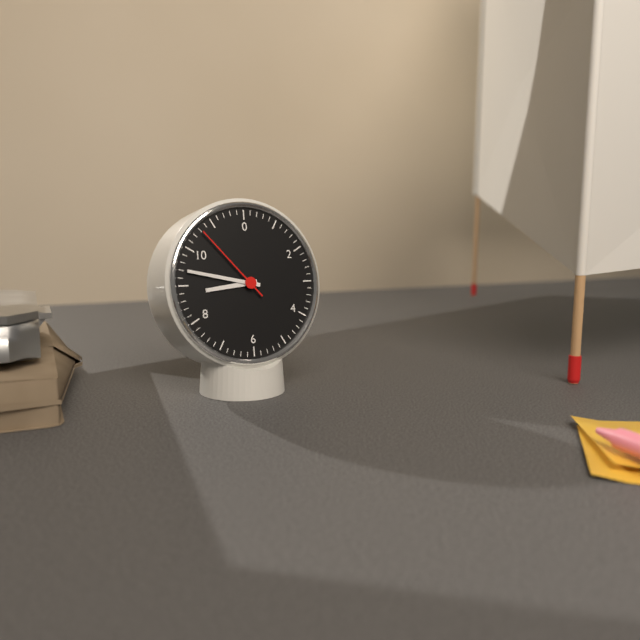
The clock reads 8,47,53
